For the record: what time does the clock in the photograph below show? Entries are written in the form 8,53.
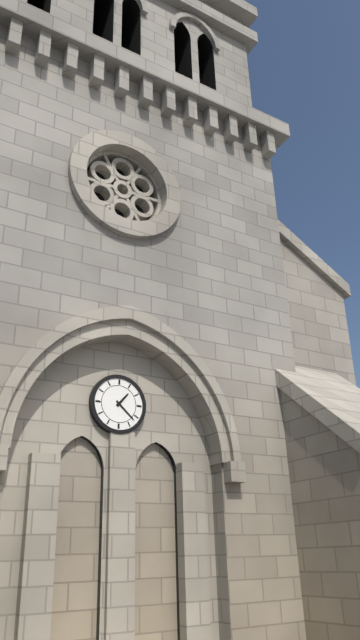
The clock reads 1,22
